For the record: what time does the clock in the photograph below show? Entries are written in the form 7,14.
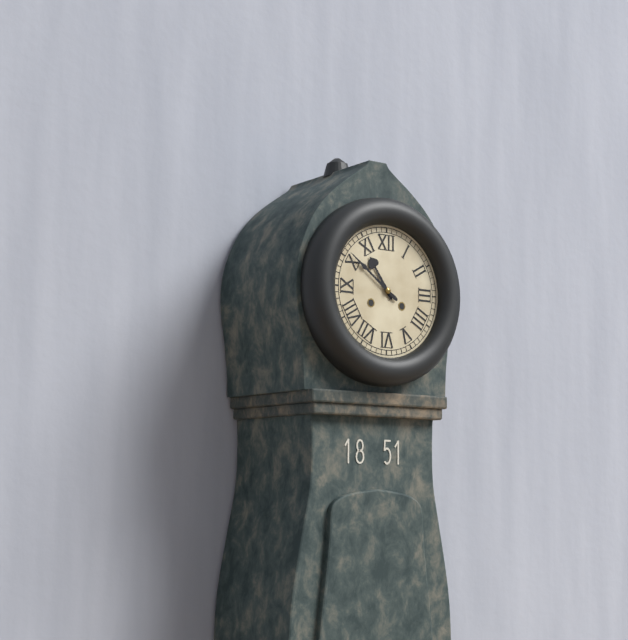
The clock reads 10,51
